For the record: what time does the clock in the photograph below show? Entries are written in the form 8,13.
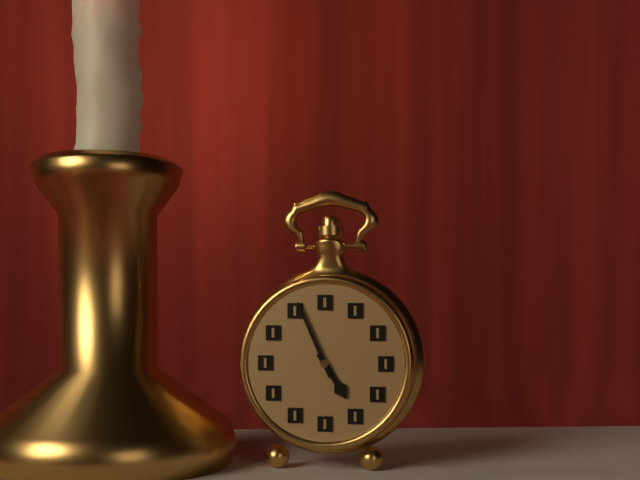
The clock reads 4,56
